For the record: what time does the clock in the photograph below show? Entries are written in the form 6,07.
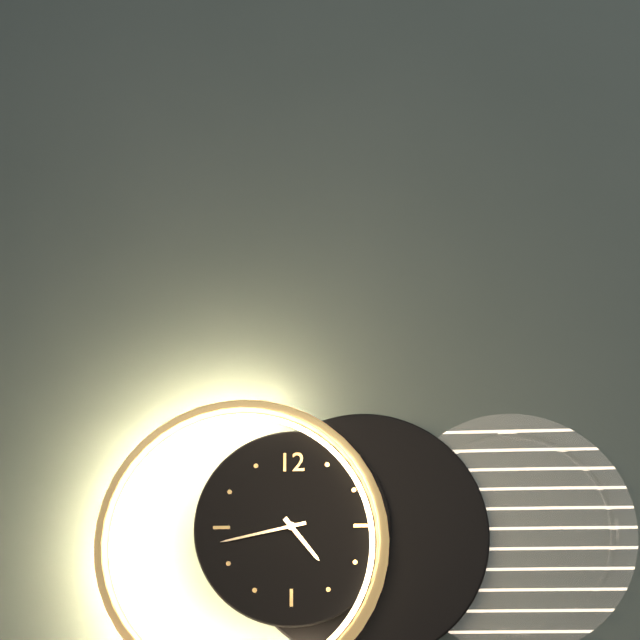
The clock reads 4,43
